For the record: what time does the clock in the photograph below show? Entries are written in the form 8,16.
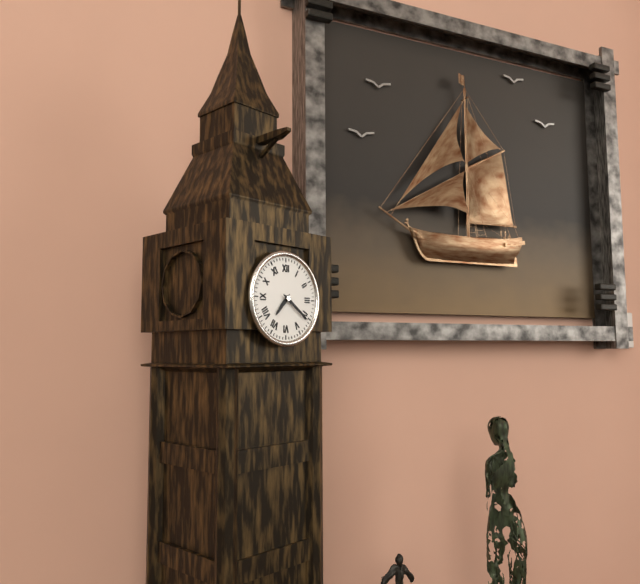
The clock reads 7,21
